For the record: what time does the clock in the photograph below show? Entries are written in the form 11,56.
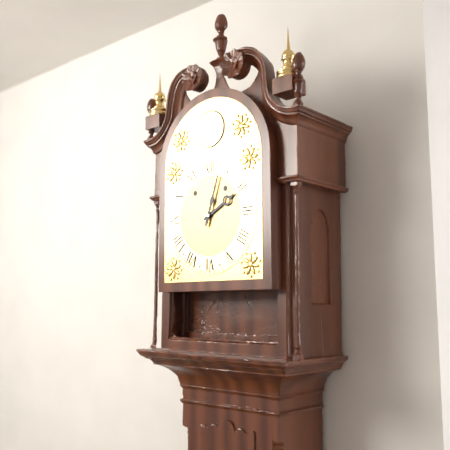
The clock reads 2,03
